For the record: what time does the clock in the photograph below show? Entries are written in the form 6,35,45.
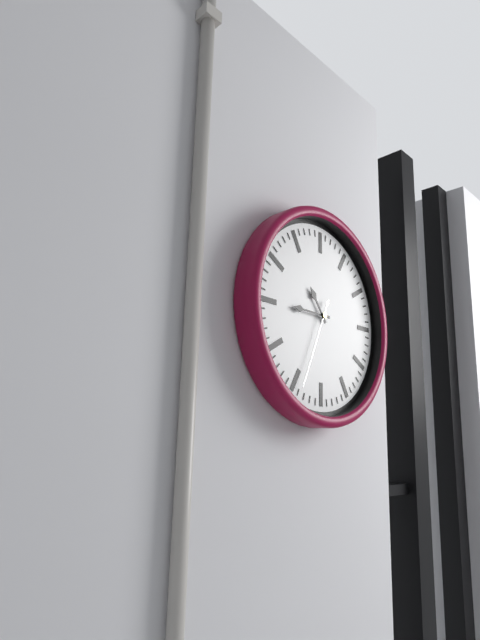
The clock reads 10,45,34
